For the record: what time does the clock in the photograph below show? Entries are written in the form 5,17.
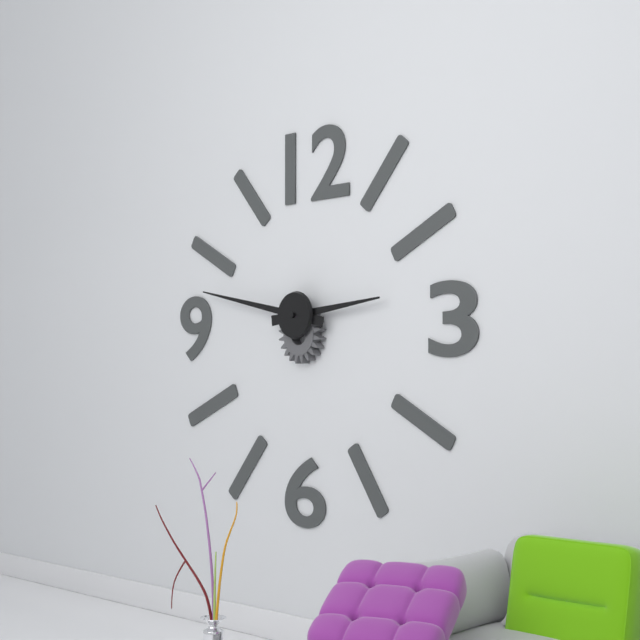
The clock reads 2,47
